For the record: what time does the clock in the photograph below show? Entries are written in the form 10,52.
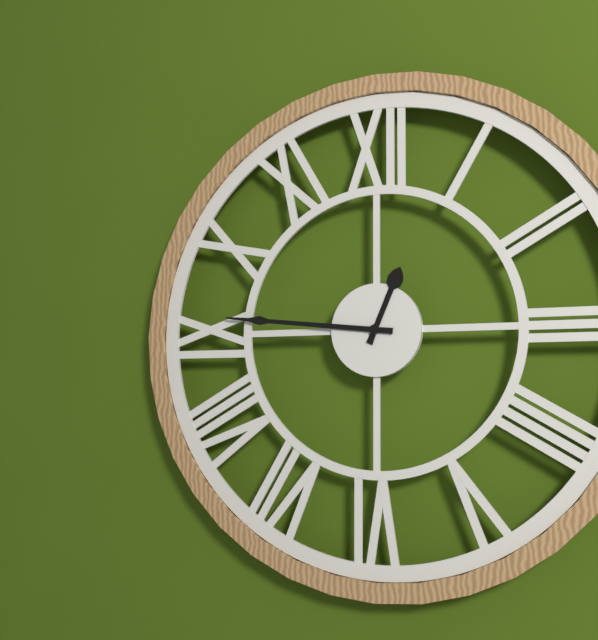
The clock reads 12,46
